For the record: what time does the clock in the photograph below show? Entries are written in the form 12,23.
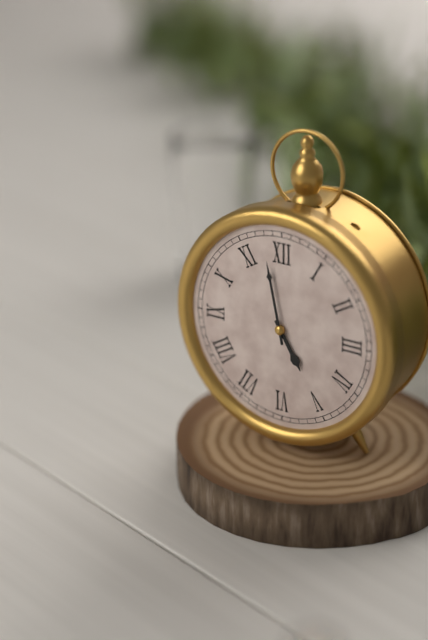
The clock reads 4,58
